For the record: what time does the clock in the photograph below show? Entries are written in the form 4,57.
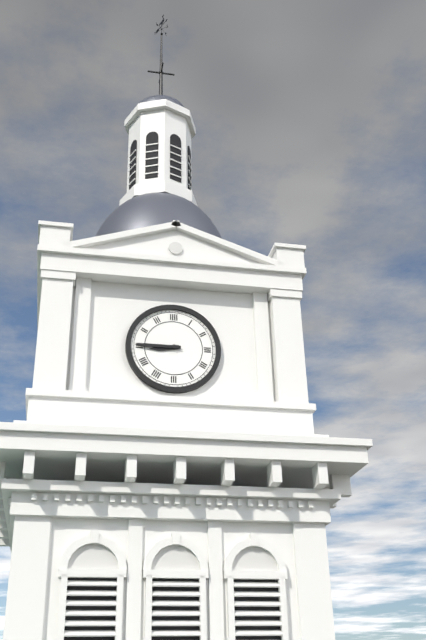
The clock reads 8,45
